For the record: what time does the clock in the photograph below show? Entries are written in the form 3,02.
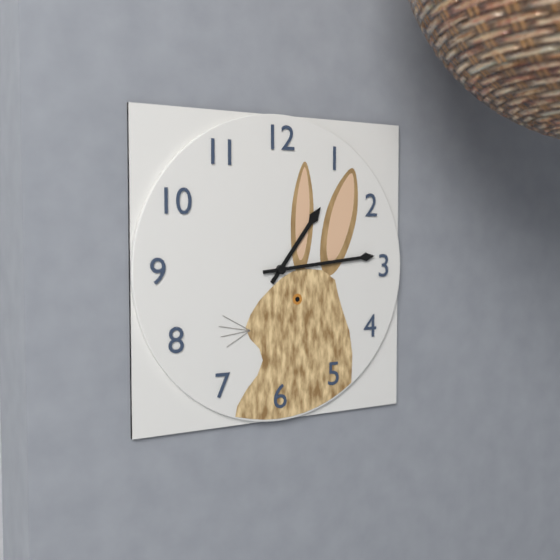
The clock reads 1,14
